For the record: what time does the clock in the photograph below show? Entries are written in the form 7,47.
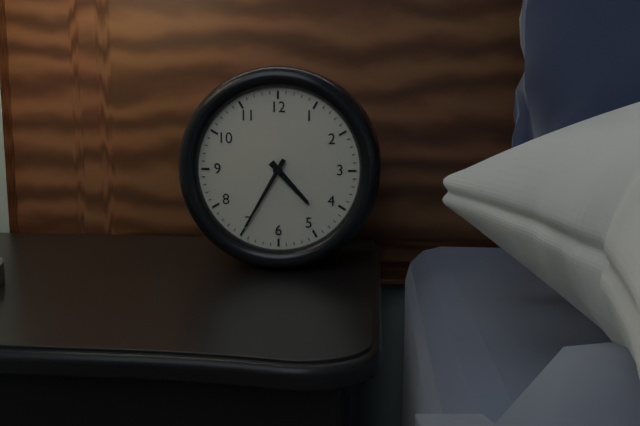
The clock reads 4,35
